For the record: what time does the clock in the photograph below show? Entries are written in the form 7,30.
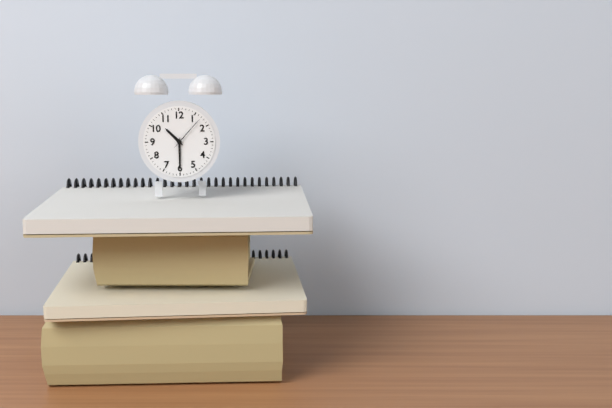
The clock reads 10,30
